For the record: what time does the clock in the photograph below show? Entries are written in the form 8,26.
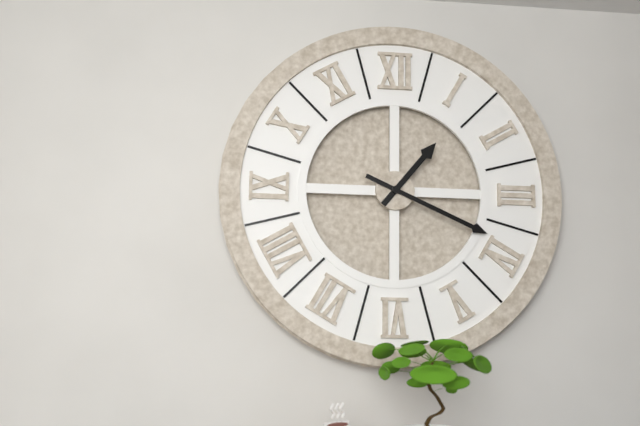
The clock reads 1,19
